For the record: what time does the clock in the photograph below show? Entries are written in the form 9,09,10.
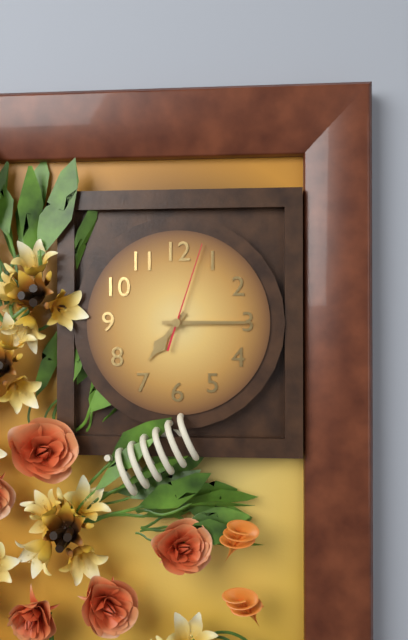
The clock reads 7,15,03
